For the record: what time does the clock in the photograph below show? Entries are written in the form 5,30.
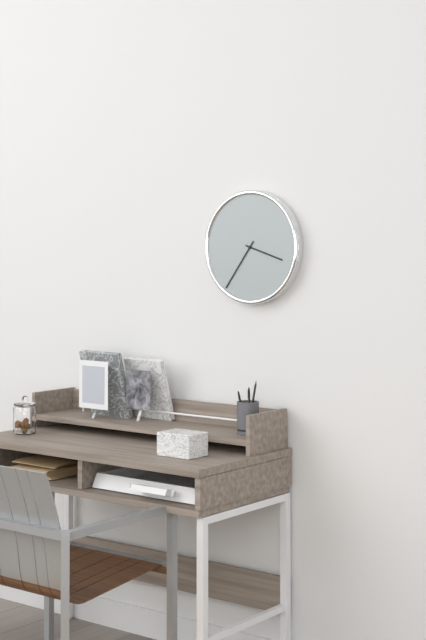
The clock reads 3,36
